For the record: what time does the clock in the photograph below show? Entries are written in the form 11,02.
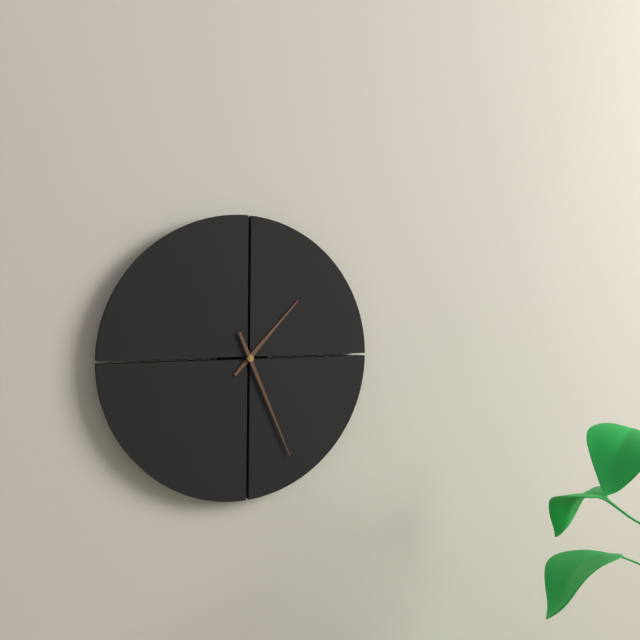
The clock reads 1,26
